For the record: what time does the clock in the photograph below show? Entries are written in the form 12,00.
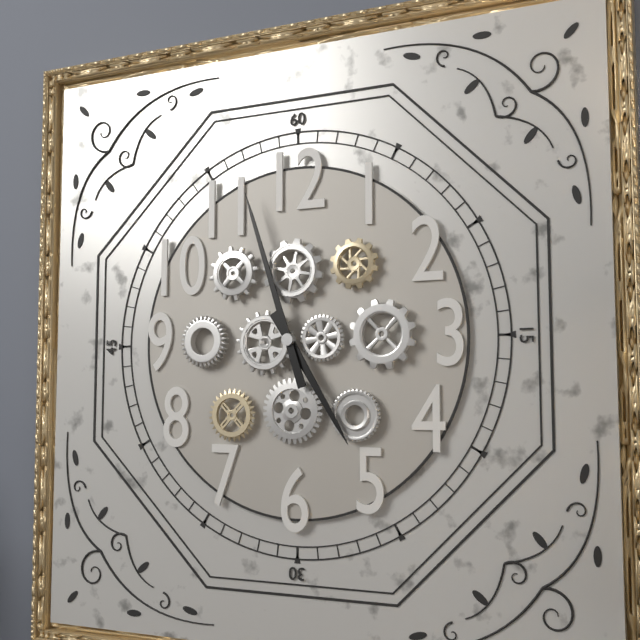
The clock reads 4,57
